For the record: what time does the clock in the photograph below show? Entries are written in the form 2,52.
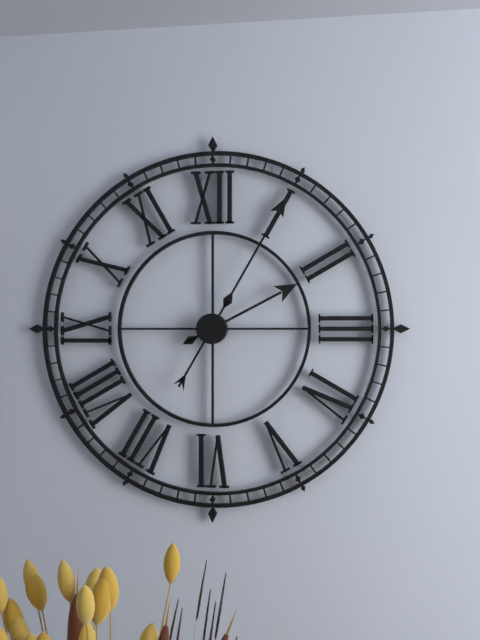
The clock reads 2,05
